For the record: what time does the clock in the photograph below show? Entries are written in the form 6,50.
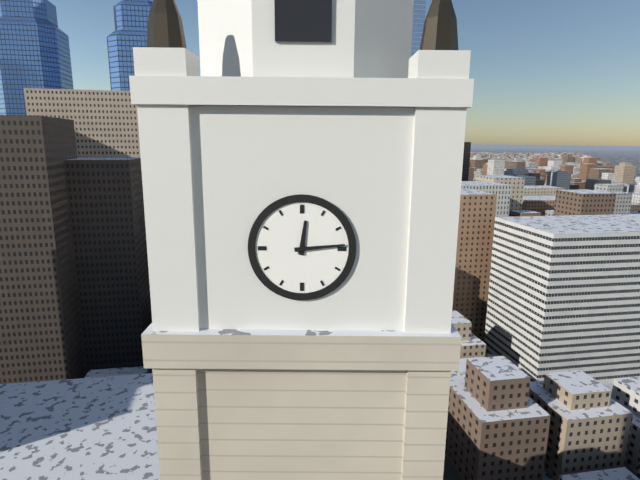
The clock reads 12,14
